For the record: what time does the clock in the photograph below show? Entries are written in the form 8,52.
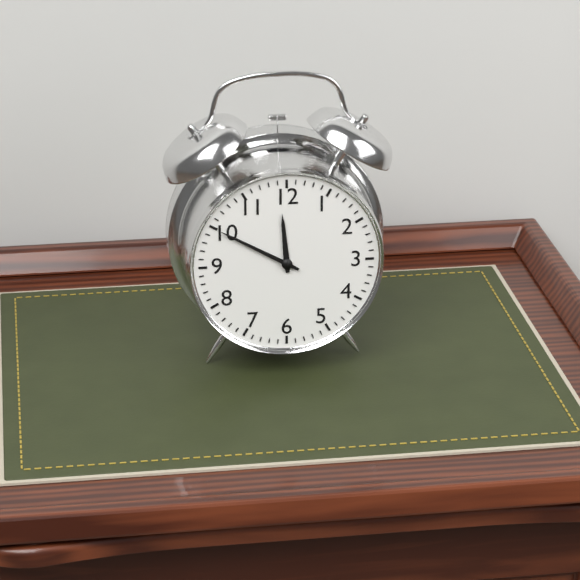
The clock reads 11,50
